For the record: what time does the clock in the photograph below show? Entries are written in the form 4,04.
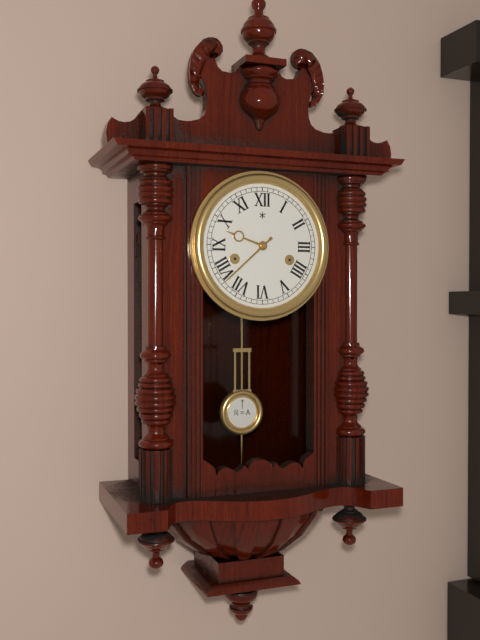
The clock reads 9,38
